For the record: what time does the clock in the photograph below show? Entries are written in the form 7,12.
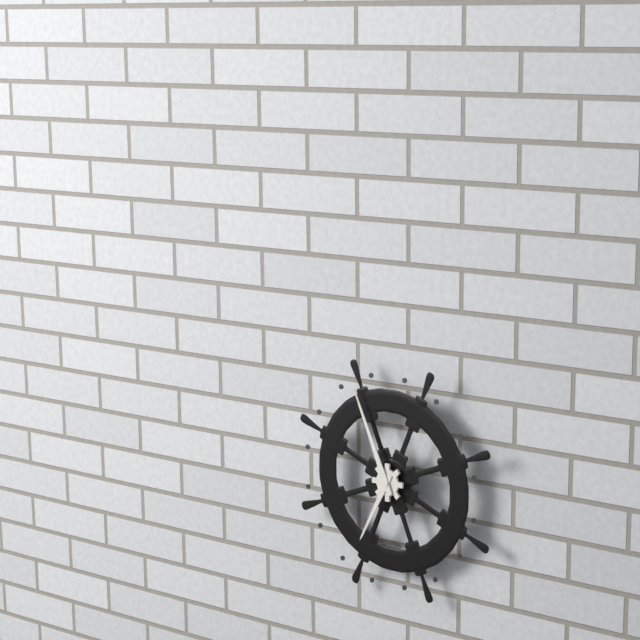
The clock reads 6,56
